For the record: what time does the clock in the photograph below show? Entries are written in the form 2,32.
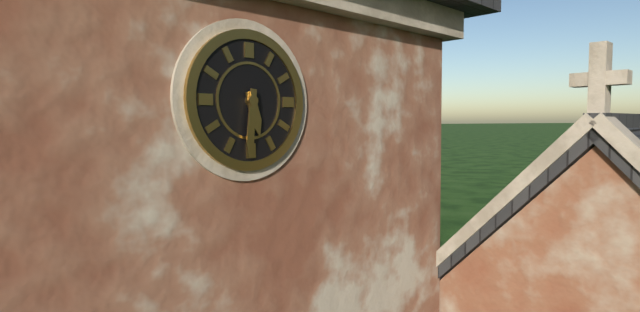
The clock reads 5,31
